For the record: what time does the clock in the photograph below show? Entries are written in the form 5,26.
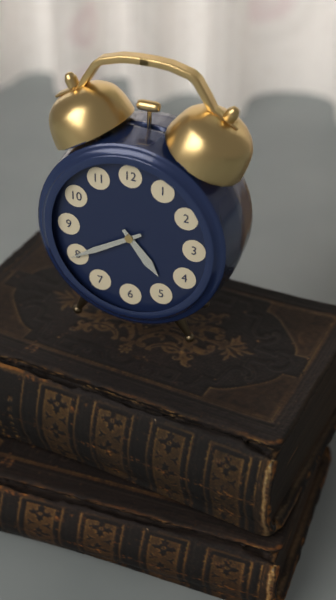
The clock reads 4,40
